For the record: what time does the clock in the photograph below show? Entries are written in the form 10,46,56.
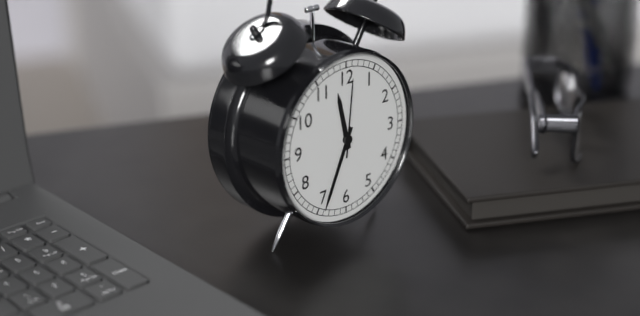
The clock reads 11,34,01
